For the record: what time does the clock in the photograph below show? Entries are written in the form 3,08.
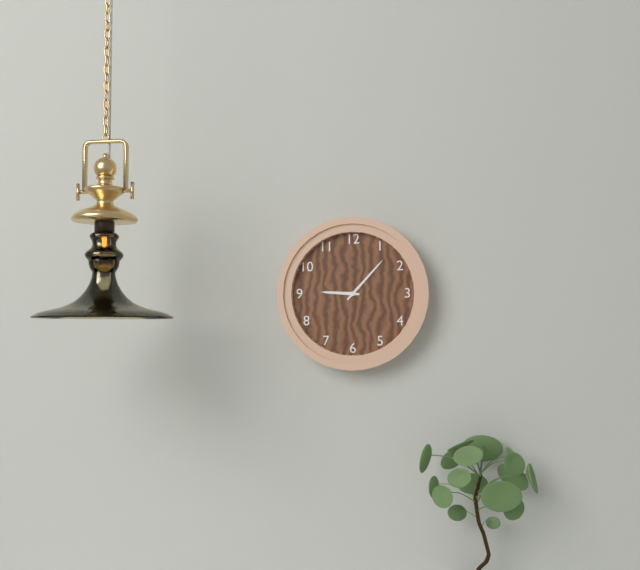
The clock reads 9,07
